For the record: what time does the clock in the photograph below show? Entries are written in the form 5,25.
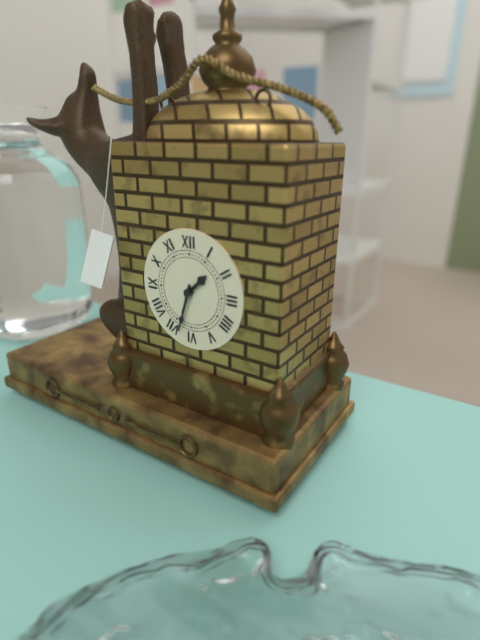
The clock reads 1,33
